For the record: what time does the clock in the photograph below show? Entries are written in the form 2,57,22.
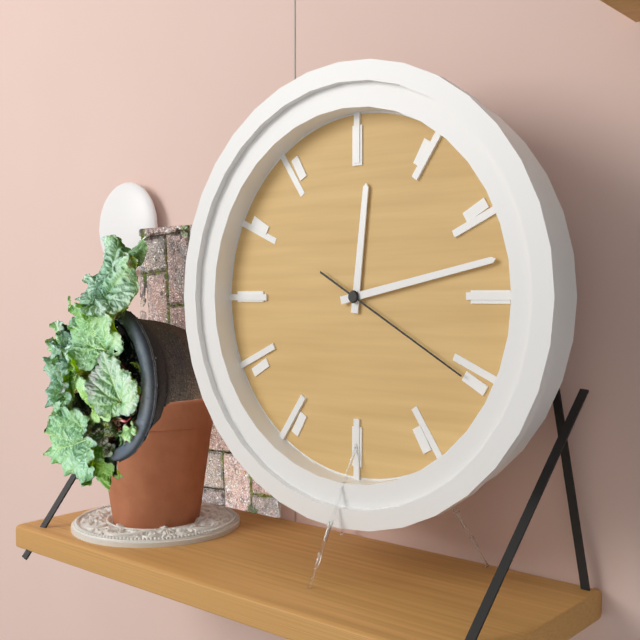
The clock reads 12,13,20
